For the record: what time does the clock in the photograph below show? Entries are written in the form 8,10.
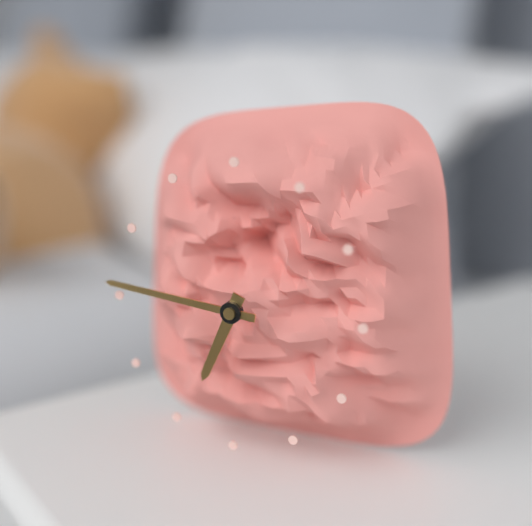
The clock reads 6,46
